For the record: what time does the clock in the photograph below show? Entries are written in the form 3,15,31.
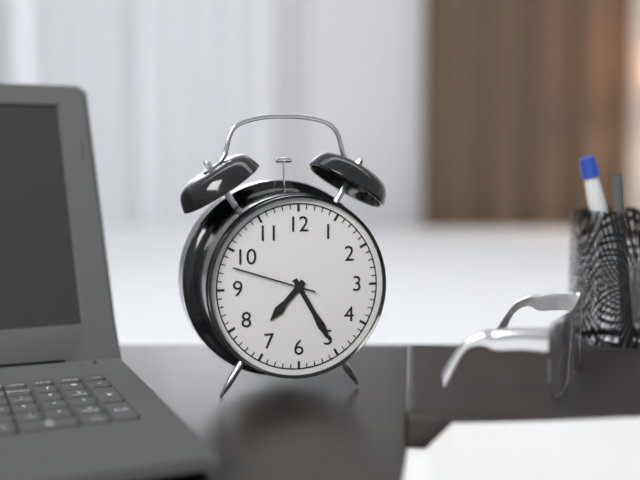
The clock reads 7,25,48
